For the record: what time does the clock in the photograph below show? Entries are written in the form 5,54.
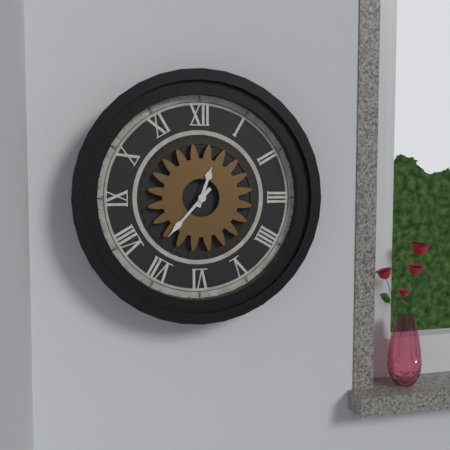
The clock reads 12,37
